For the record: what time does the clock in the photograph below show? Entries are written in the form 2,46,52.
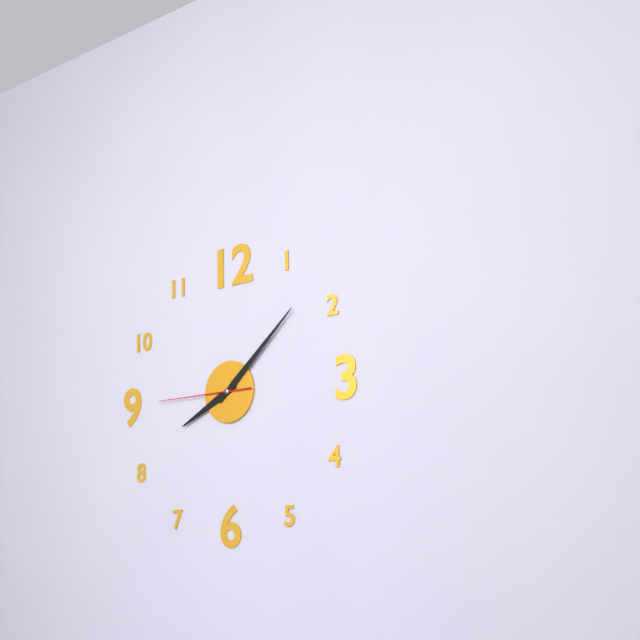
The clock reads 8,08,45
